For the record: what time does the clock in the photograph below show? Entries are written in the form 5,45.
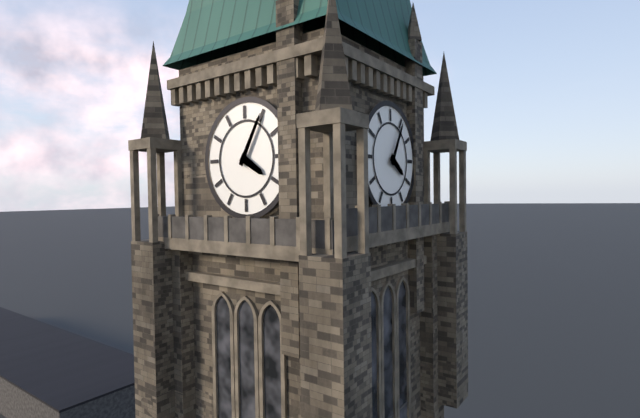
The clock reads 4,05
